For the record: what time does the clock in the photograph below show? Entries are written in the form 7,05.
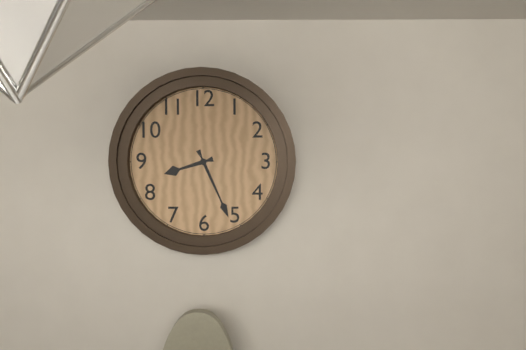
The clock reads 8,26
